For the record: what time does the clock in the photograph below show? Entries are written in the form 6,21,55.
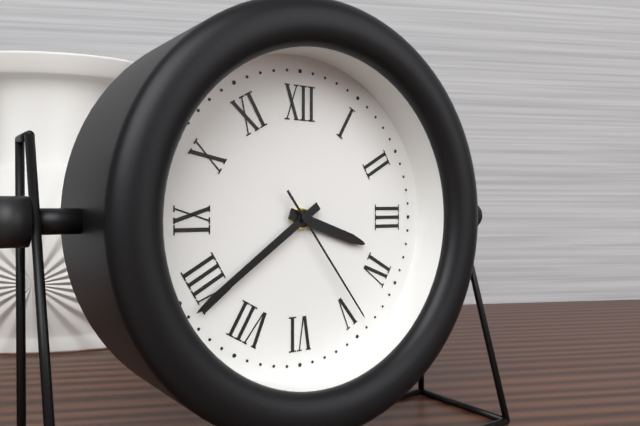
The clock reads 3,39,24
